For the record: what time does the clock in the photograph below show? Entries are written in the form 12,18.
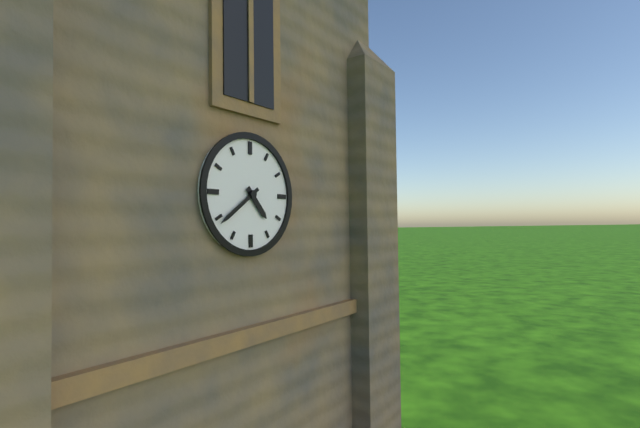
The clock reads 4,39
